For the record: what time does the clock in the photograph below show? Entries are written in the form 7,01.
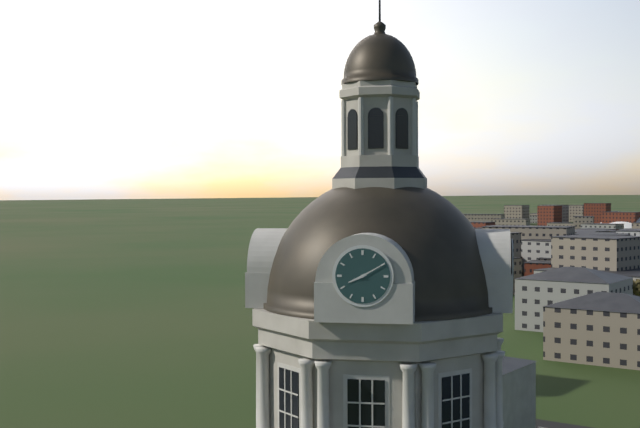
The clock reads 8,10
